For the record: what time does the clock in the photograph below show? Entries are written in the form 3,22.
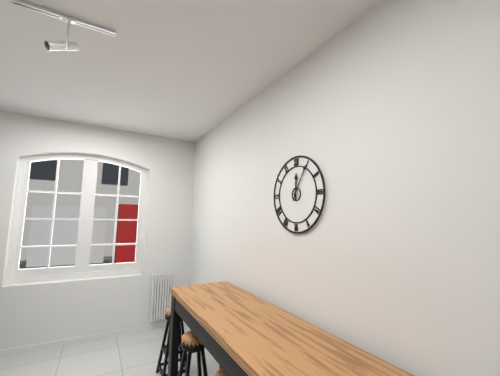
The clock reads 12,05
